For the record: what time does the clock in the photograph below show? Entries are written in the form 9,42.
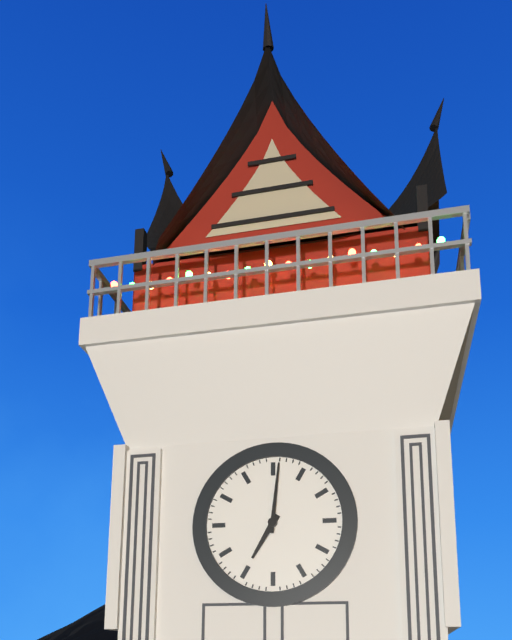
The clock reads 7,01
